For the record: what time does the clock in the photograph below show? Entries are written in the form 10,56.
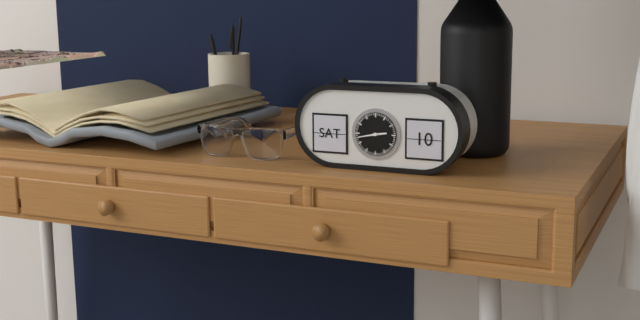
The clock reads 2,43
